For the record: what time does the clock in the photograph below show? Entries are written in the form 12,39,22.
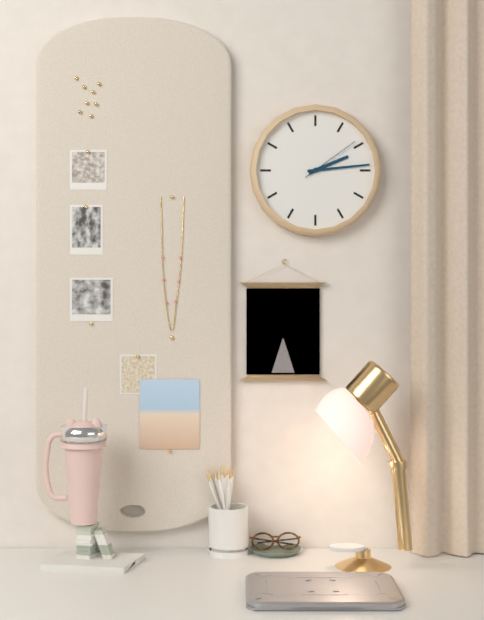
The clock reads 2,14,09
